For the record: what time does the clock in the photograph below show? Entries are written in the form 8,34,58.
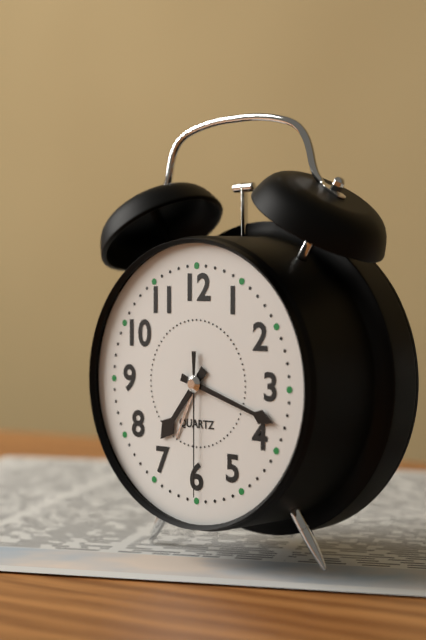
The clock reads 7,18,30
